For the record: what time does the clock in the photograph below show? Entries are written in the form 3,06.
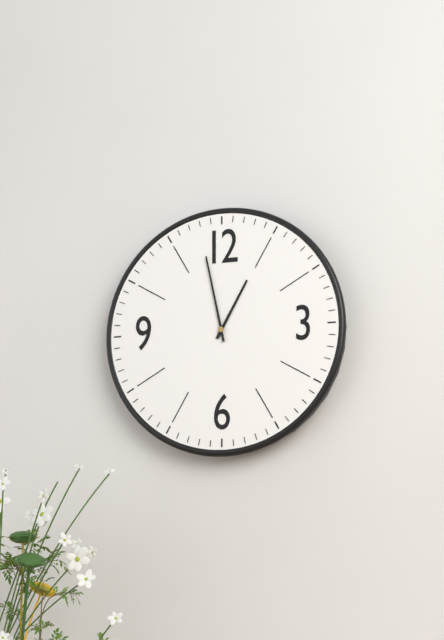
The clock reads 12,58
